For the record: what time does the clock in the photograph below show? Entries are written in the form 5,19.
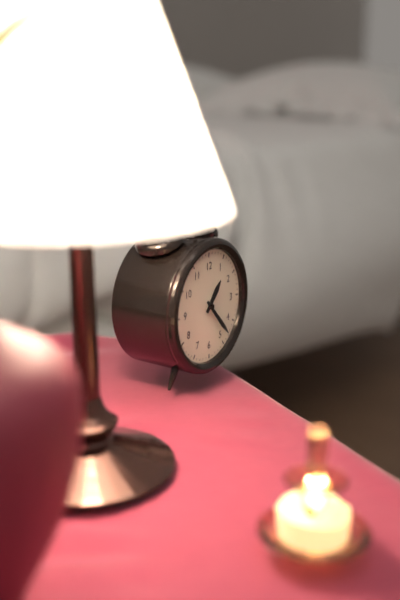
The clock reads 1,23
